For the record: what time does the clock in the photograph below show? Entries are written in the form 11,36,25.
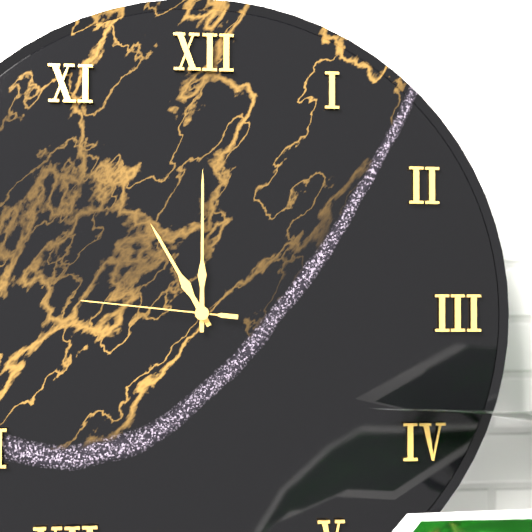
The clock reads 11,00,46
